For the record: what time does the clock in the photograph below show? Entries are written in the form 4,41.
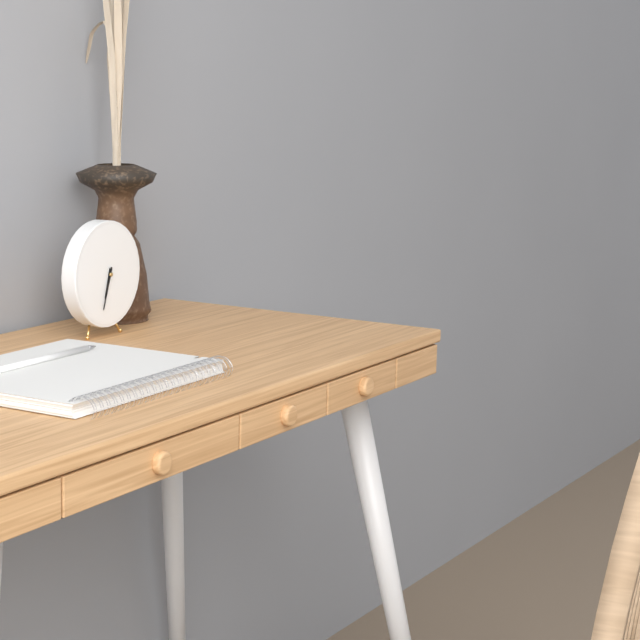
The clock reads 6,33
